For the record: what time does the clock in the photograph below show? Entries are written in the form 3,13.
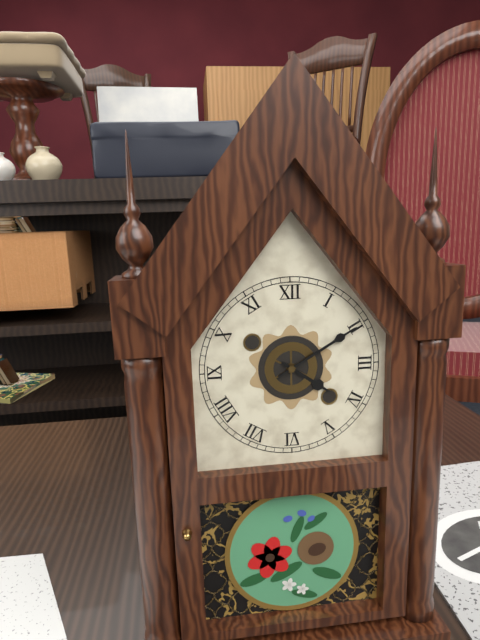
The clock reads 4,10
